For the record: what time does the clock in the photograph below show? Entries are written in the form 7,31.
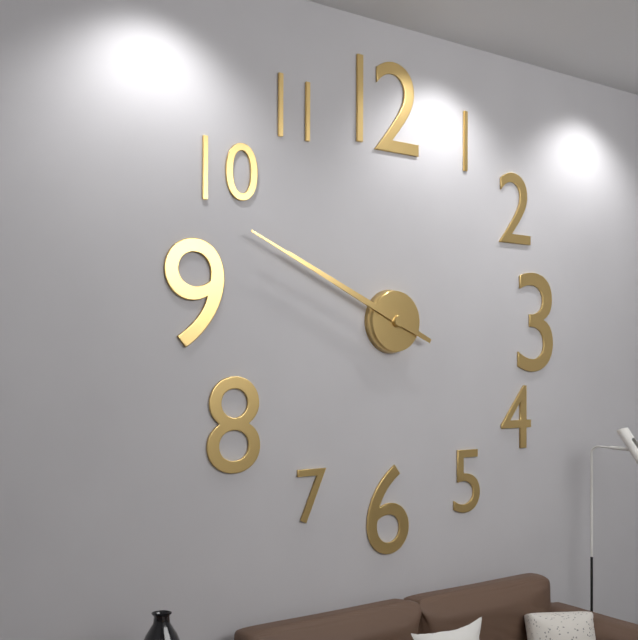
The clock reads 9,49
